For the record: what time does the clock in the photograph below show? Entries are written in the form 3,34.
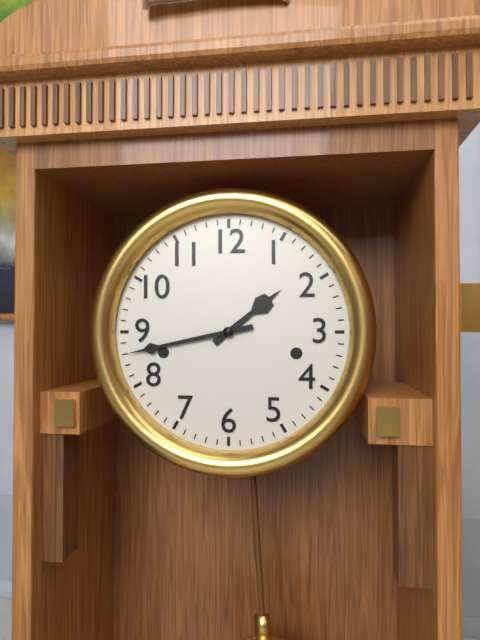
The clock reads 1,43
